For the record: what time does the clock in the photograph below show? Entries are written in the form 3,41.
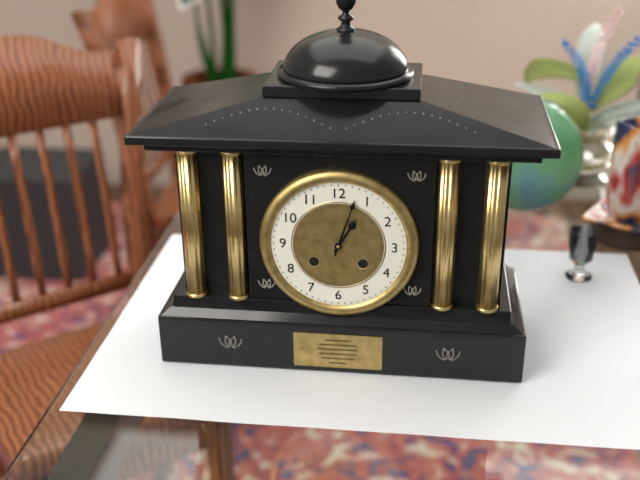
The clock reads 1,03
